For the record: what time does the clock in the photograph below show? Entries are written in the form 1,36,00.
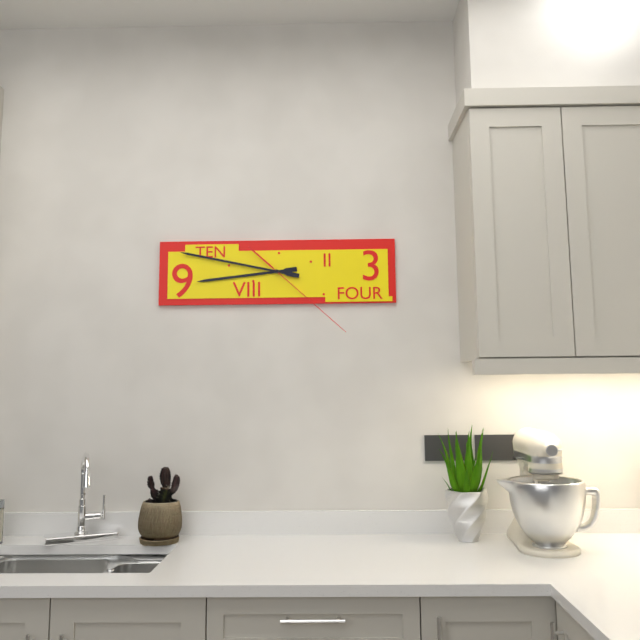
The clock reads 8,47,22
